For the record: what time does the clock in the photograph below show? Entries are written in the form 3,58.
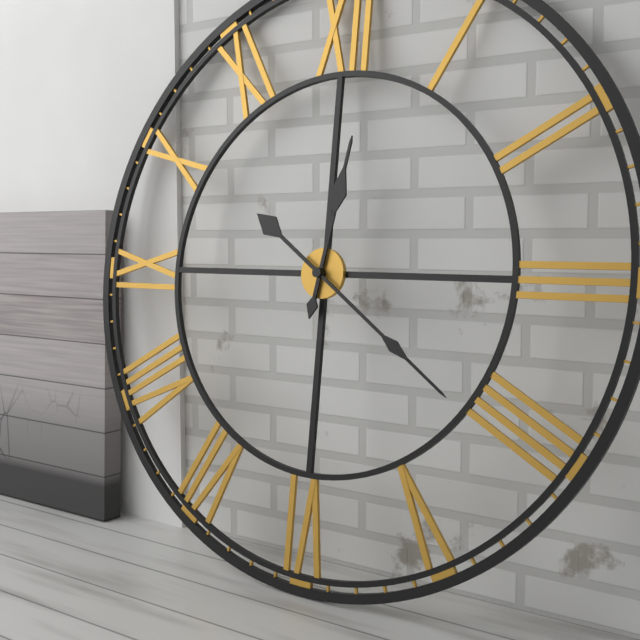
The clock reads 12,21
